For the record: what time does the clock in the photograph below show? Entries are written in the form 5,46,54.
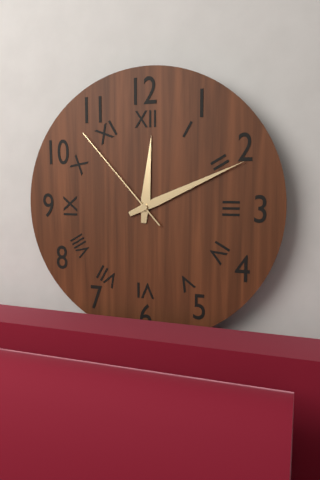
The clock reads 12,11,53
